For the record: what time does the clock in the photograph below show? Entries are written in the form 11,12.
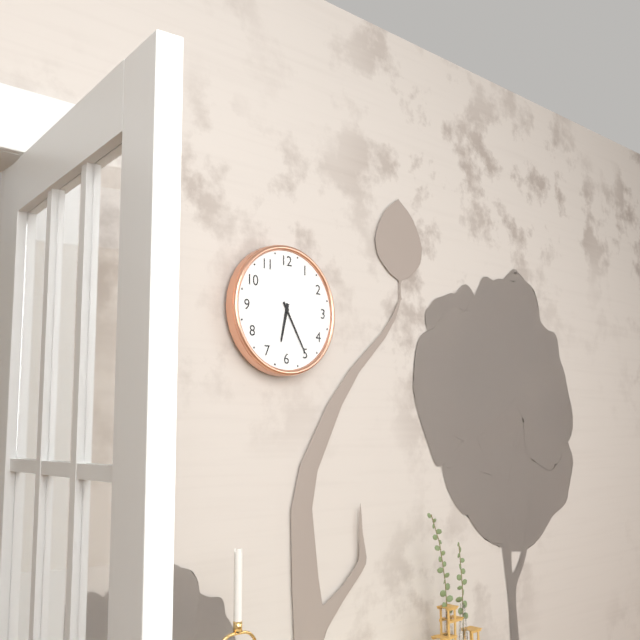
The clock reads 6,25
